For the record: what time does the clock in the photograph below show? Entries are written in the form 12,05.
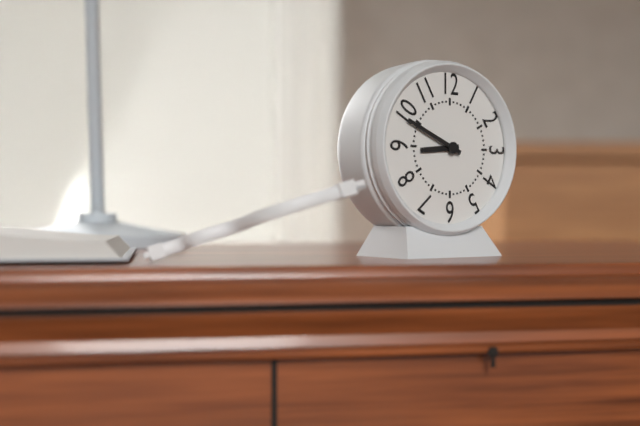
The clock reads 8,49
